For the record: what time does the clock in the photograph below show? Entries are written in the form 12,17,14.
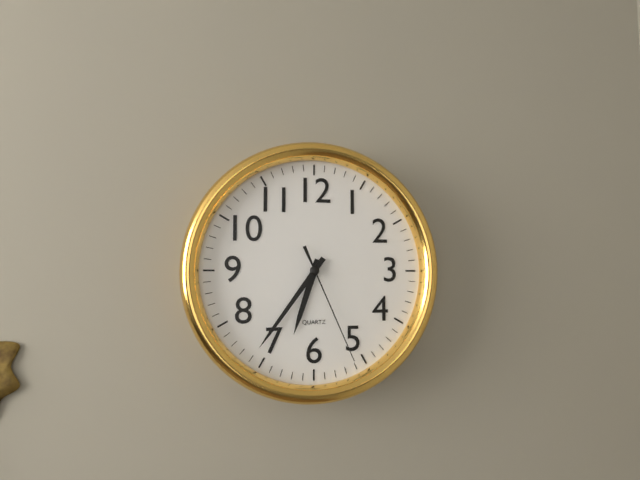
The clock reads 6,36,26
